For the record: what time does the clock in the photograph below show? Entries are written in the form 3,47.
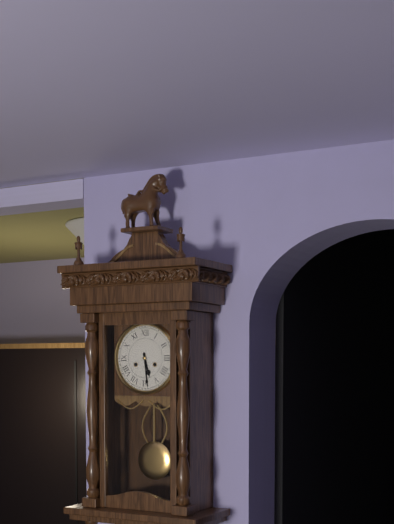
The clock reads 5,29
